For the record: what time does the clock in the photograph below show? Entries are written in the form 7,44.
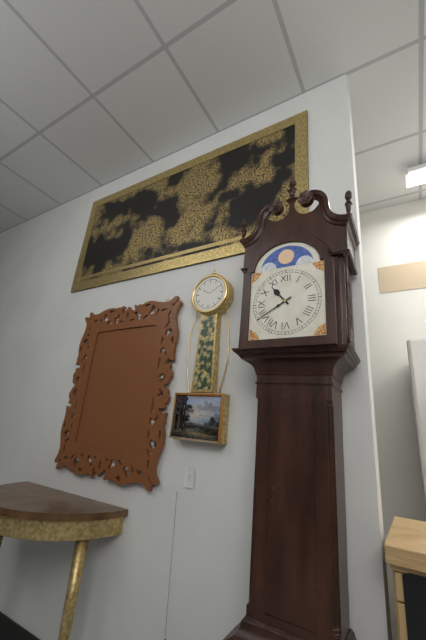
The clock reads 10,40
